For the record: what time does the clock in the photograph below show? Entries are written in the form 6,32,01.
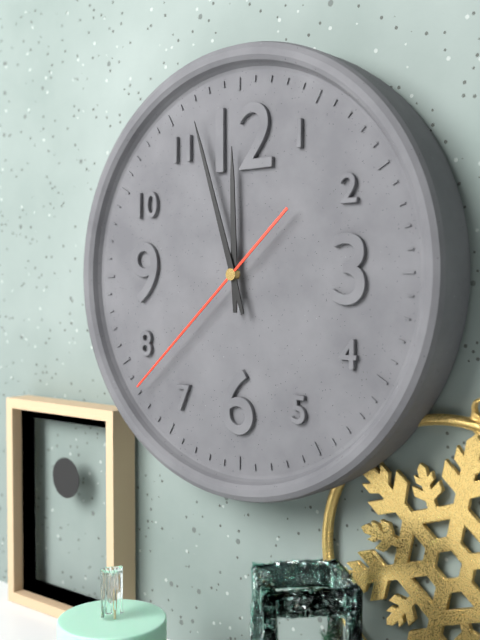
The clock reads 11,57,38
